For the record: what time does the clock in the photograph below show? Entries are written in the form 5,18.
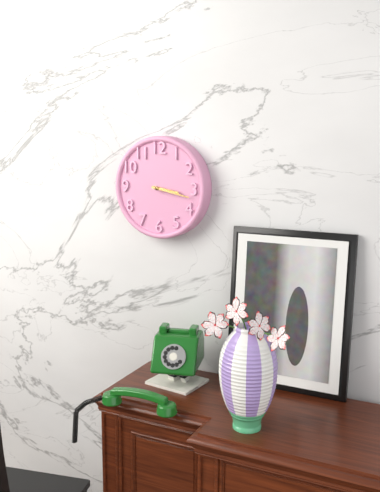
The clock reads 3,17
